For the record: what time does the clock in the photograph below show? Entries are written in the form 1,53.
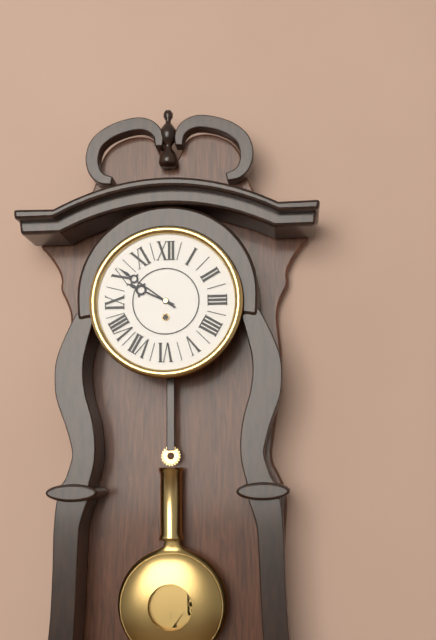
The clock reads 9,51
